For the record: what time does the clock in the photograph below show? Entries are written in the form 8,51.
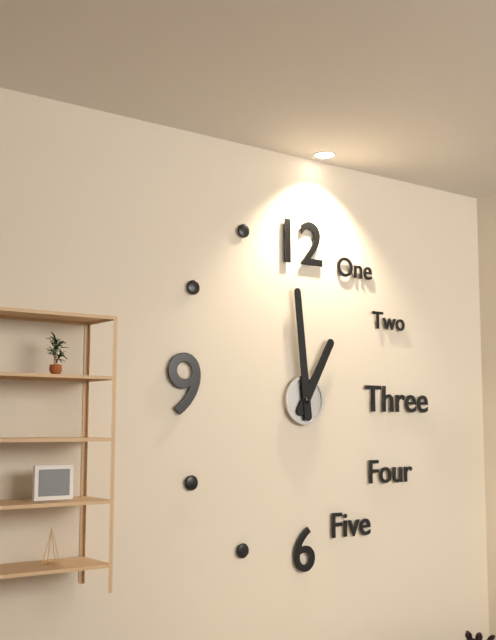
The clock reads 12,59
